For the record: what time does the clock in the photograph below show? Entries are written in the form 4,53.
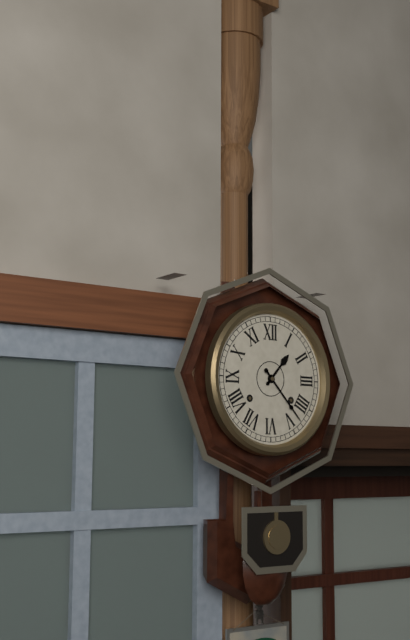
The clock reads 1,23
